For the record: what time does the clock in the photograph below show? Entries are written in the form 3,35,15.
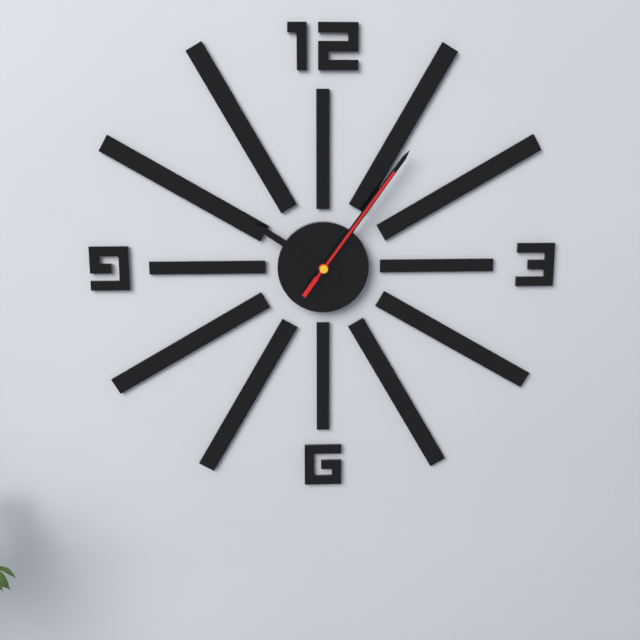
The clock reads 10,06,06
